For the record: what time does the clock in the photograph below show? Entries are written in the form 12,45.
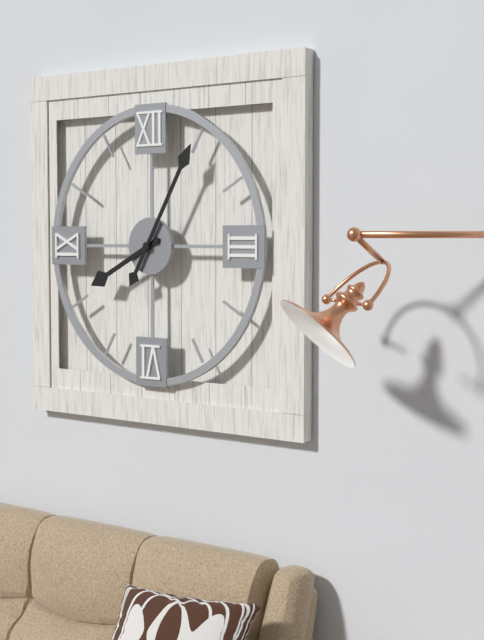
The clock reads 8,05
